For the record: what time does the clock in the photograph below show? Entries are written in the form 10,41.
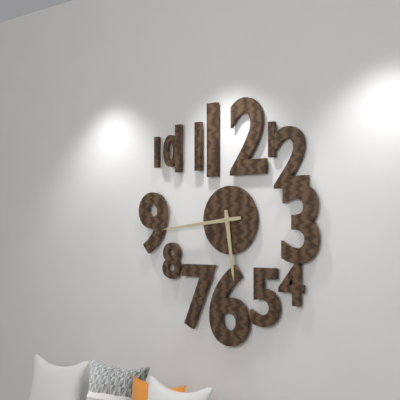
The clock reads 5,44
